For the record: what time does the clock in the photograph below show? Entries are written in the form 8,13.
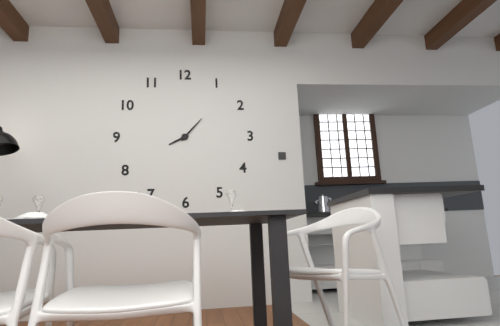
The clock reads 8,07
